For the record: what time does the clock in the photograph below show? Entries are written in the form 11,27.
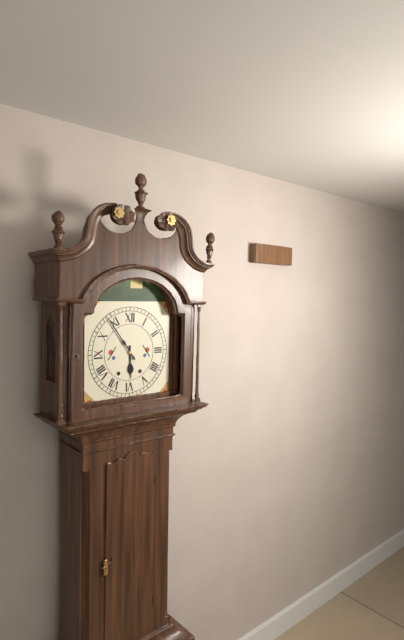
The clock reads 5,54
